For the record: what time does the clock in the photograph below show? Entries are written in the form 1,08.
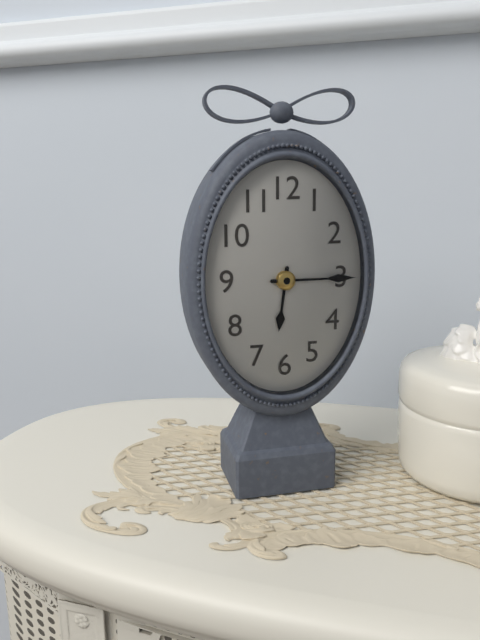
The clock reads 6,15
